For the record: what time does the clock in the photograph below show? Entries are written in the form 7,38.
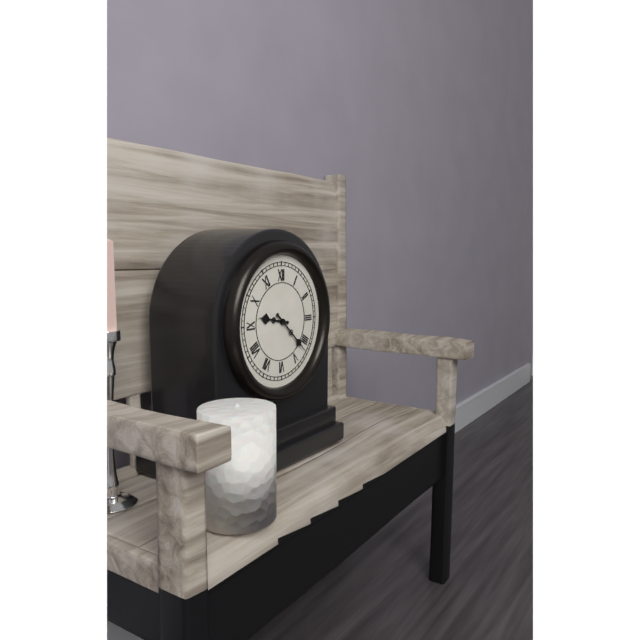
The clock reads 9,22
